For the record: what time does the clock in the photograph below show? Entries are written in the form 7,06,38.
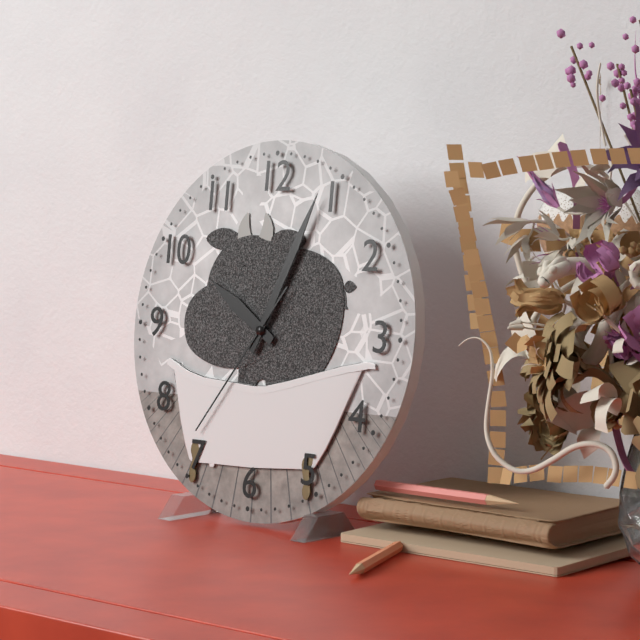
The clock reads 10,04,36
